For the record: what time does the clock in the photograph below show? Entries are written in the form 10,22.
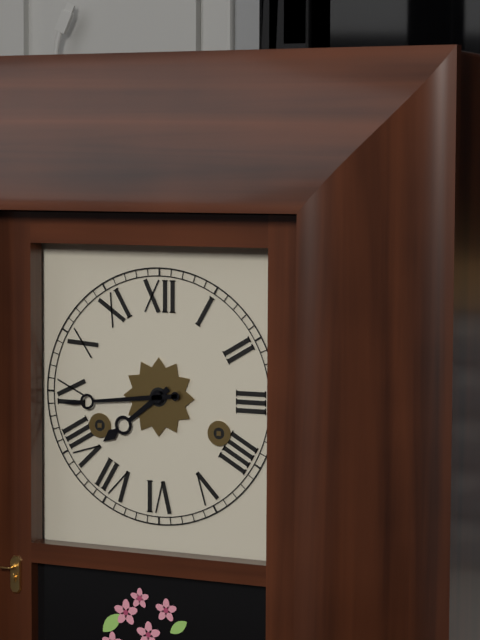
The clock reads 7,44
